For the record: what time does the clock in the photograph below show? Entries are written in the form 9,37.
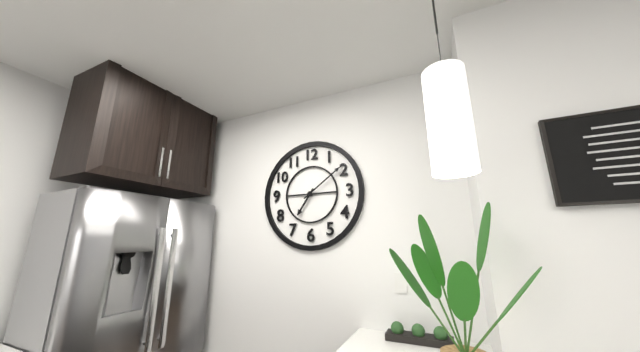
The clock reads 7,09
